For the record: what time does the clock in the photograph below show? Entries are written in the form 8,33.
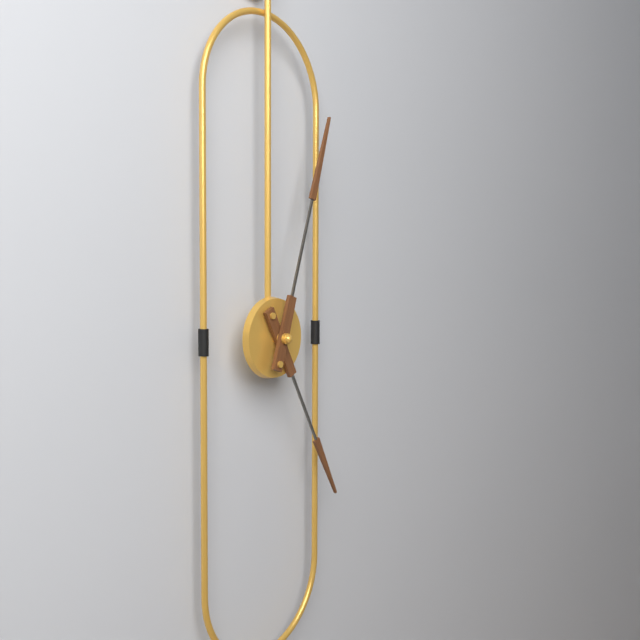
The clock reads 5,03
